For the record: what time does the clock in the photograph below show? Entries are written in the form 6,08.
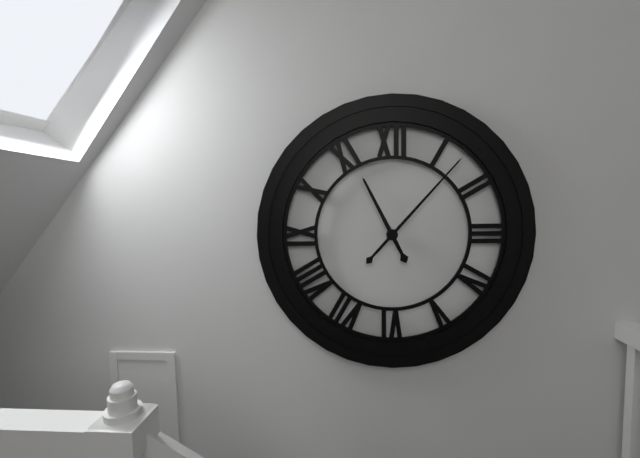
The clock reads 11,07
